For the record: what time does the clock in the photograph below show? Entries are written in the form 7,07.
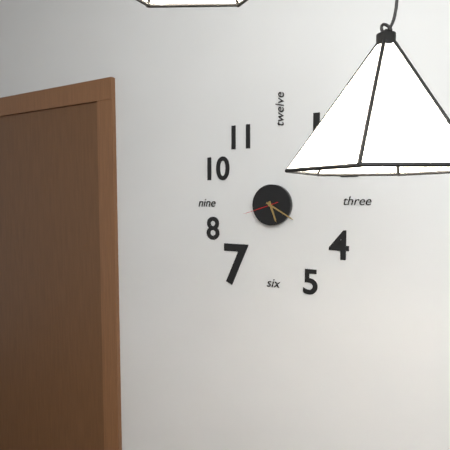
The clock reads 5,20
